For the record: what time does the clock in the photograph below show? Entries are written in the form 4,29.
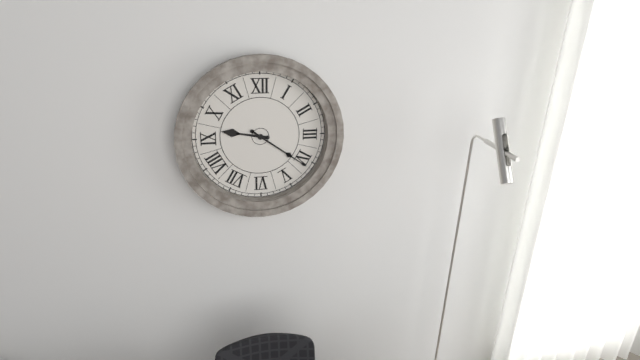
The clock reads 9,21
